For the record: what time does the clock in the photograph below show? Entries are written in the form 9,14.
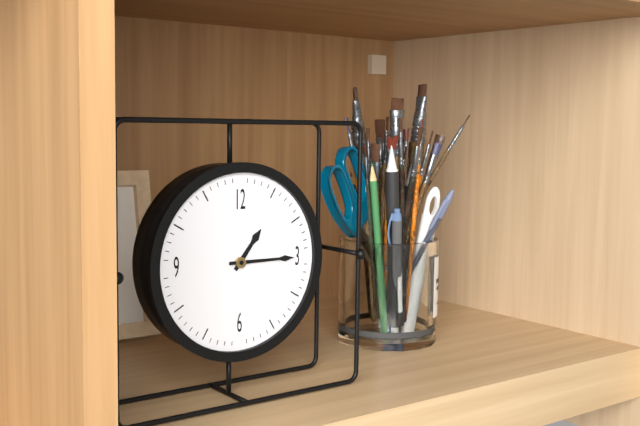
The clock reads 1,15
